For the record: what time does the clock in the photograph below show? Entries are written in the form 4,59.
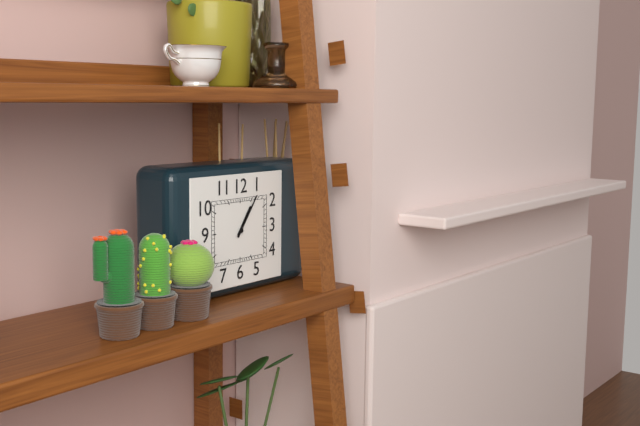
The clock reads 1,06
